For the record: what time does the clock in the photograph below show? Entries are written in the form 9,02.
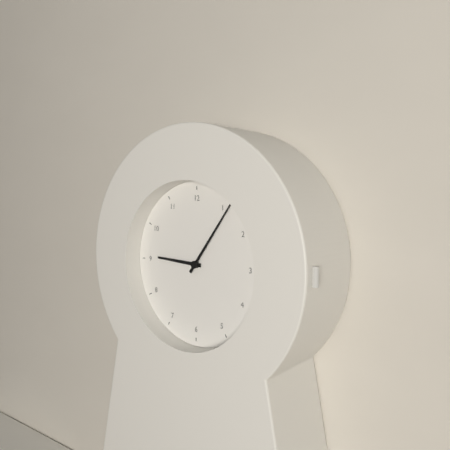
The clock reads 9,06
